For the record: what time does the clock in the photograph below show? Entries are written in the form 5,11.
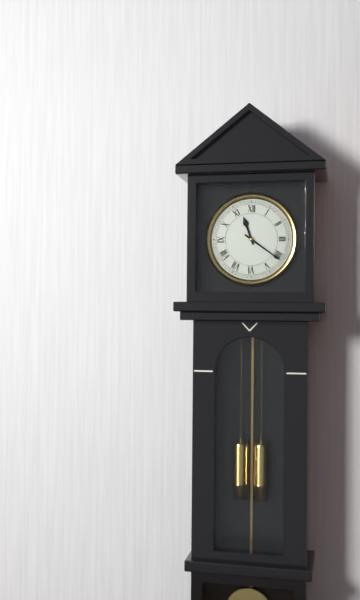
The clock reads 11,21
